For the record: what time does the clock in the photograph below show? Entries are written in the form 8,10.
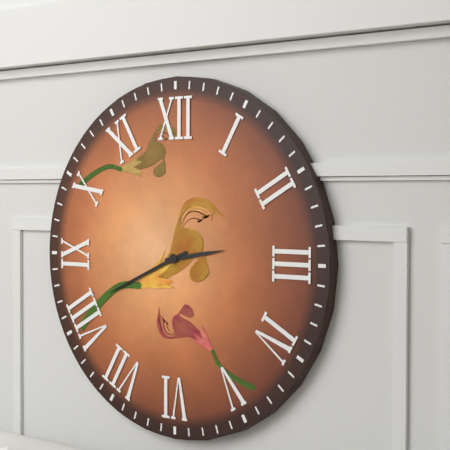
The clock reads 2,41
